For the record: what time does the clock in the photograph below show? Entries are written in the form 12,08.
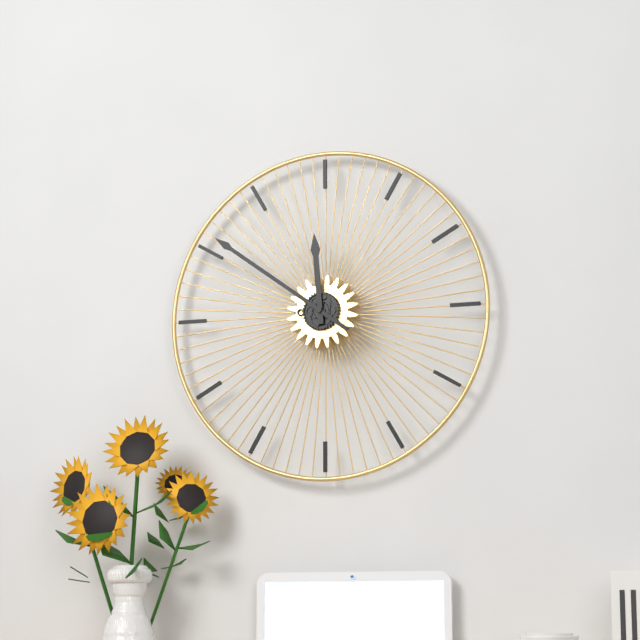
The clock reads 11,51
